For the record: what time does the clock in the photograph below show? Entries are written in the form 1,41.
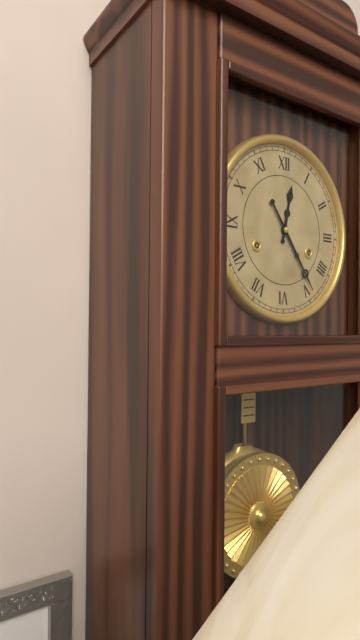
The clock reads 12,24
